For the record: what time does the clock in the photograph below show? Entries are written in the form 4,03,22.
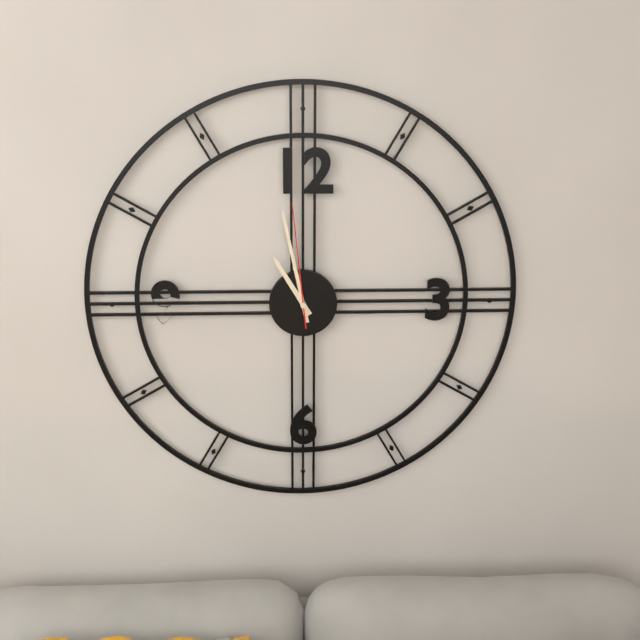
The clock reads 10,58,59
